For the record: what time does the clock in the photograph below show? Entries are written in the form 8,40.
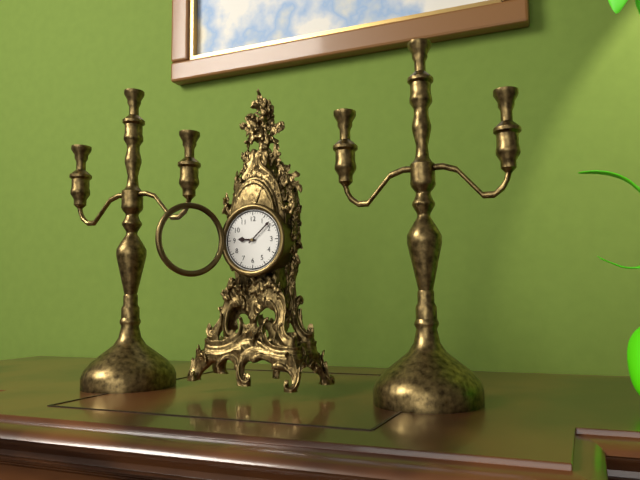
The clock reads 9,08
